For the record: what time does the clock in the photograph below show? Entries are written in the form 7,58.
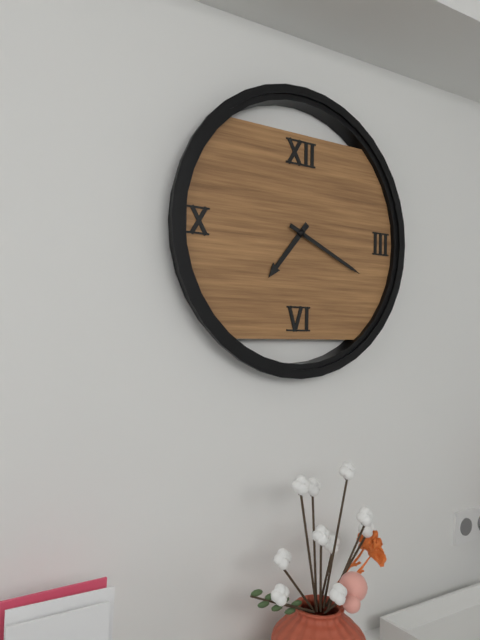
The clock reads 7,19
